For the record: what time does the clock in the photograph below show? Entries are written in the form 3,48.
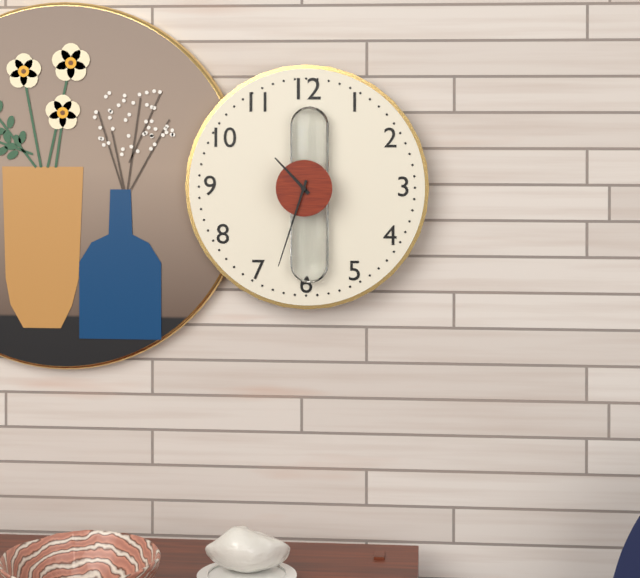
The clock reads 10,33
